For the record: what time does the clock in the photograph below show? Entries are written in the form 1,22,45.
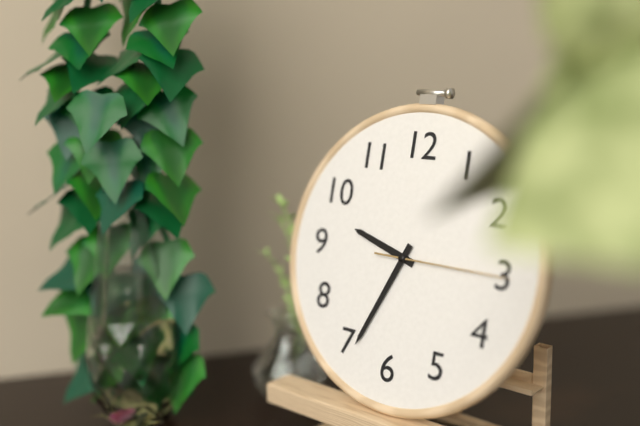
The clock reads 9,34,15
